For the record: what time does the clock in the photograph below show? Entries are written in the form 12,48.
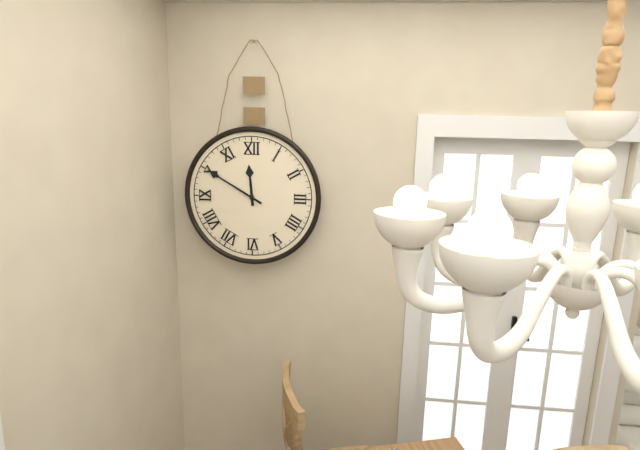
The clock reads 11,50
